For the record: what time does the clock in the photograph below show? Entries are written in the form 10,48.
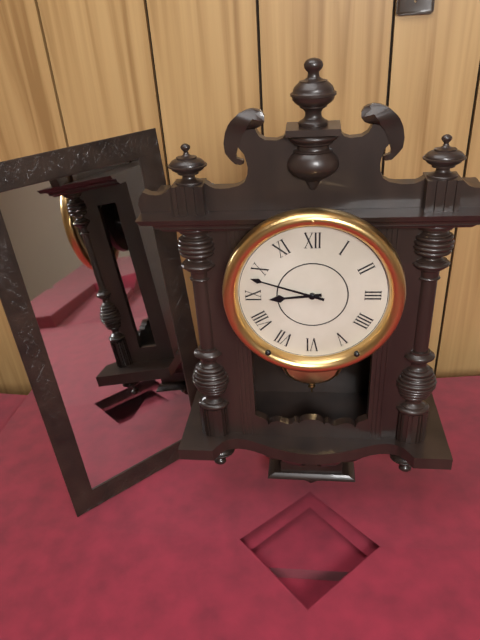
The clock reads 8,48
